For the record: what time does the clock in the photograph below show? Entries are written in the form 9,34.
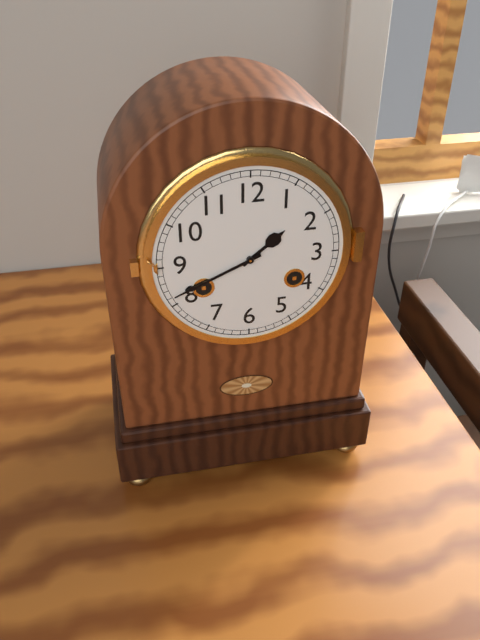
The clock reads 1,41
